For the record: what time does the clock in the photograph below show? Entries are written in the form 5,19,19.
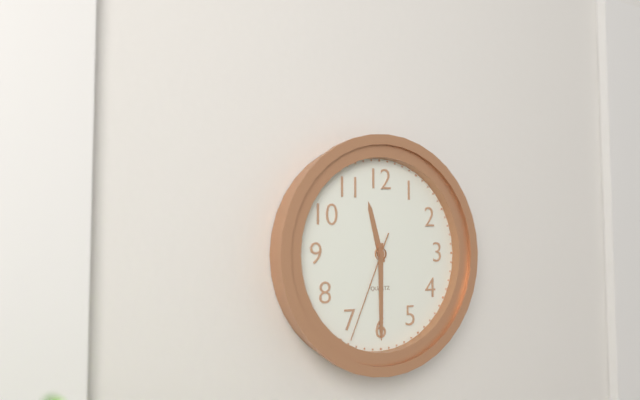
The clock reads 11,30,34
